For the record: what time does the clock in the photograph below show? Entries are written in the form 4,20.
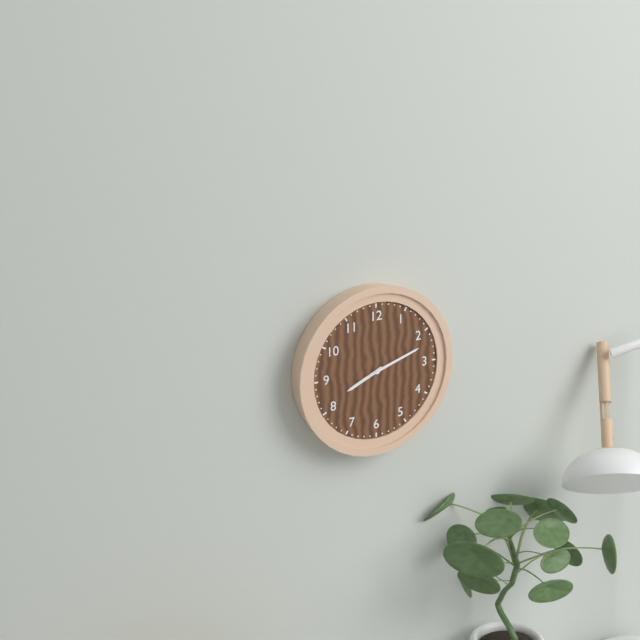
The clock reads 8,12
